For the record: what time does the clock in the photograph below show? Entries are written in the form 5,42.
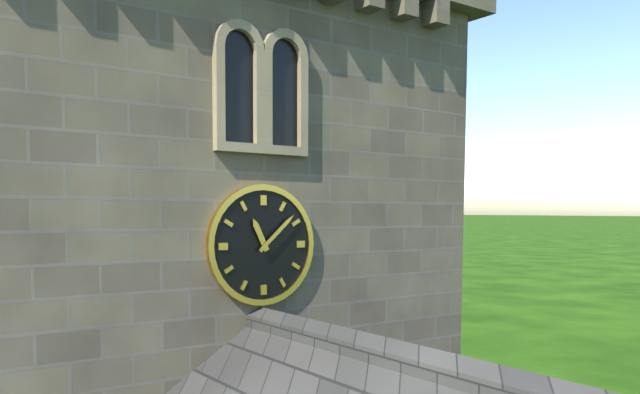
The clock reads 11,08
